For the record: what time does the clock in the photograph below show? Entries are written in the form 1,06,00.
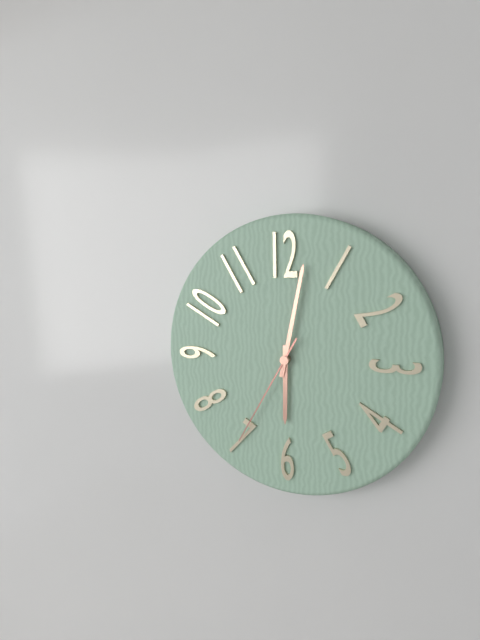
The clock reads 6,02,35
